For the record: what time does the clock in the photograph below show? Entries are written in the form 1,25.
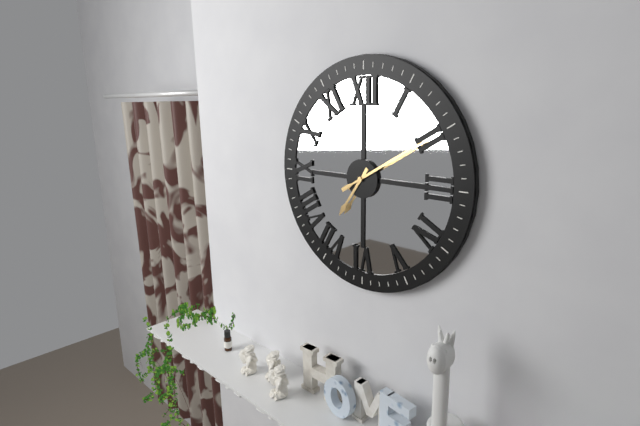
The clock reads 7,10
